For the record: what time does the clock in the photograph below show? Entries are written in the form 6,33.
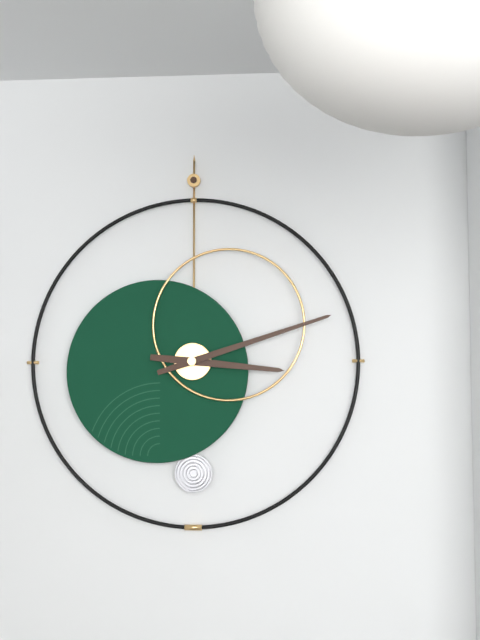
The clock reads 3,12
